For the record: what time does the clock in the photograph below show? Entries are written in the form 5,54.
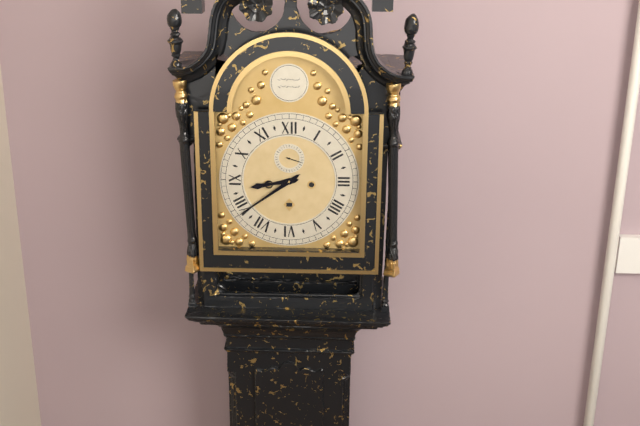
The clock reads 8,39
